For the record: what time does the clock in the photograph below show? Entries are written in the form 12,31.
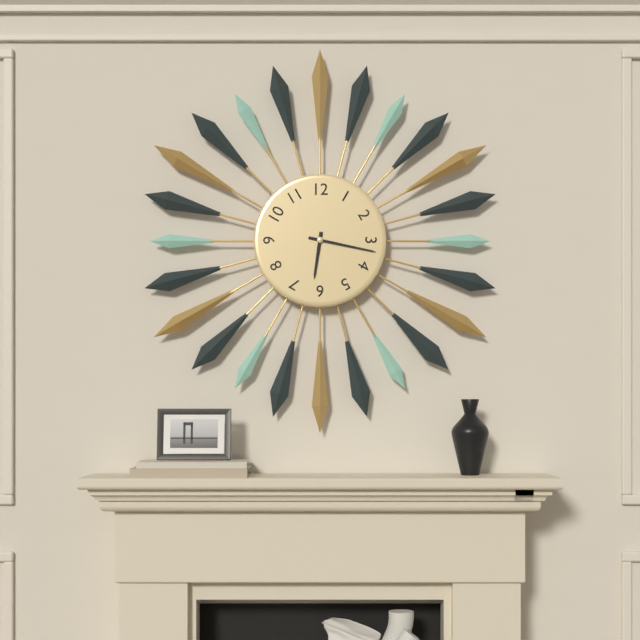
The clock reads 6,17
